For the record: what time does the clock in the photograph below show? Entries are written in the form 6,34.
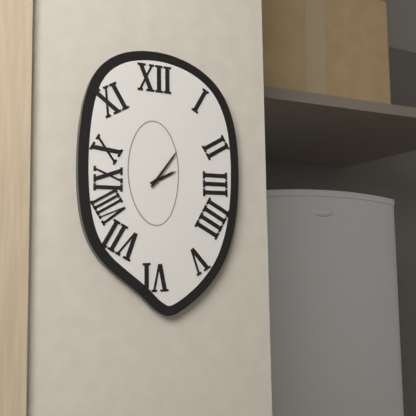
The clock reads 2,06
